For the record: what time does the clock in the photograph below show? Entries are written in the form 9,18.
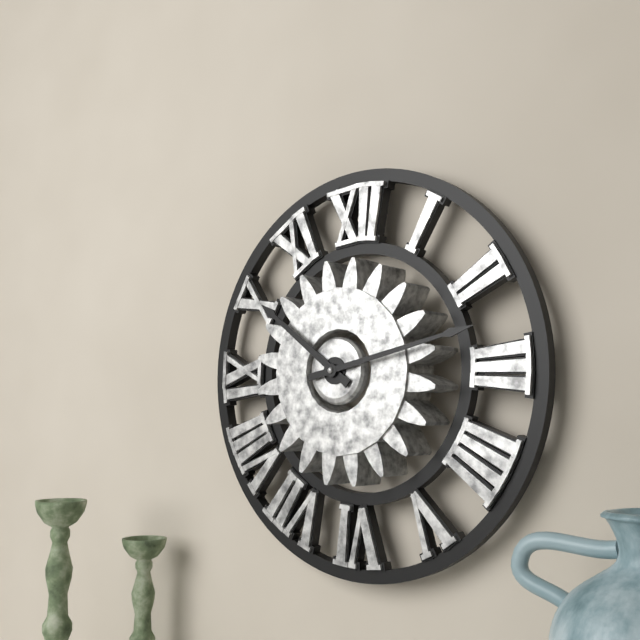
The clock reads 10,13
